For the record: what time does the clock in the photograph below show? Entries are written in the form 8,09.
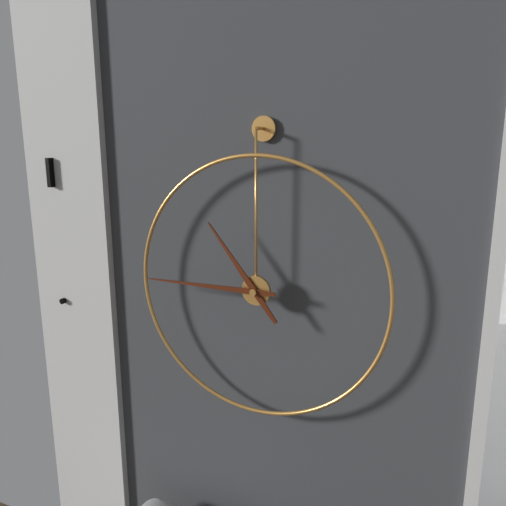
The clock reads 10,45
